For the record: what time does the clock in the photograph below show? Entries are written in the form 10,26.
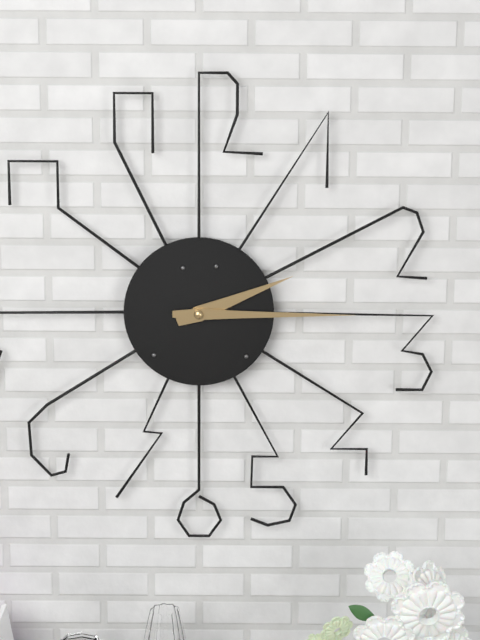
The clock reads 2,15
